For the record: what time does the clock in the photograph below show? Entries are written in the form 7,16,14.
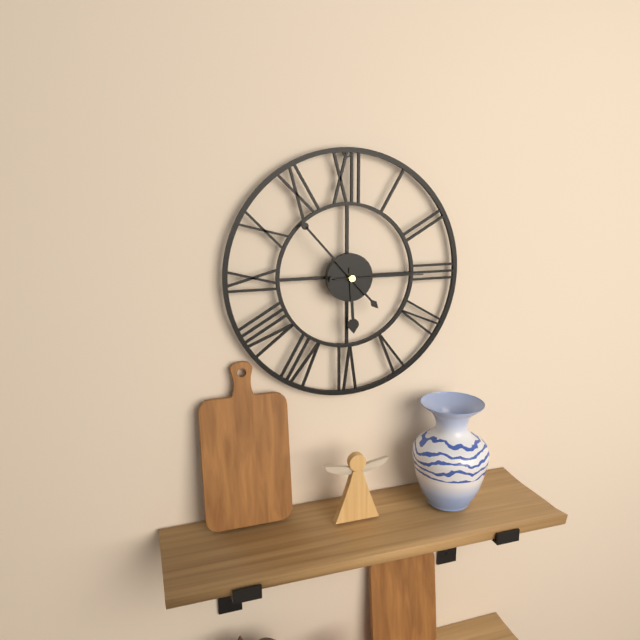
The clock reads 5,53,15
